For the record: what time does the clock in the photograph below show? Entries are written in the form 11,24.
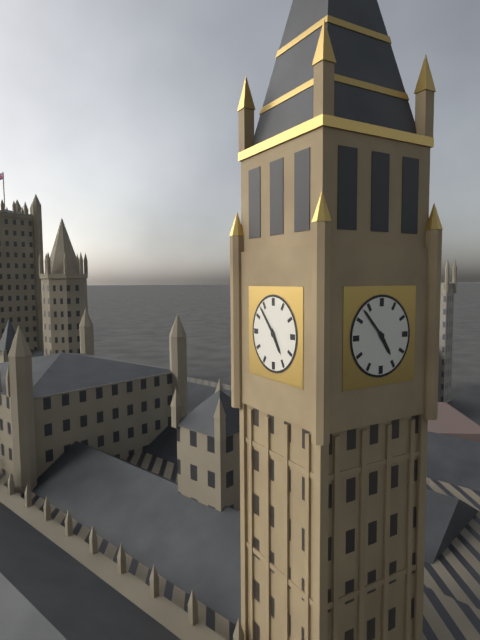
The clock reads 4,53
